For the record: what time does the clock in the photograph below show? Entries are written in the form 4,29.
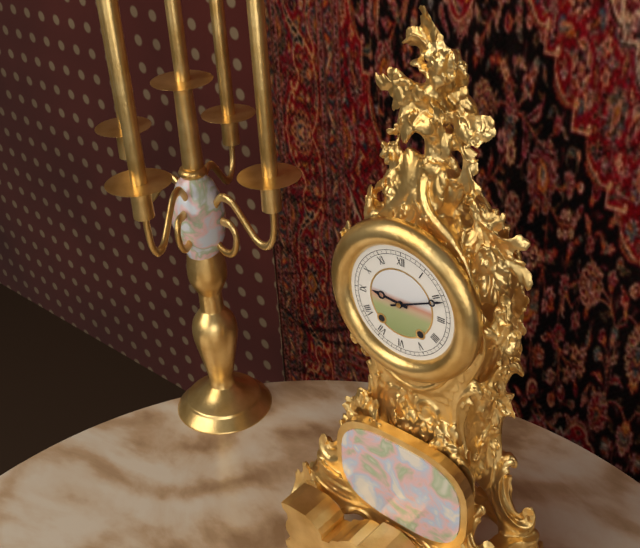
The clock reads 9,11
